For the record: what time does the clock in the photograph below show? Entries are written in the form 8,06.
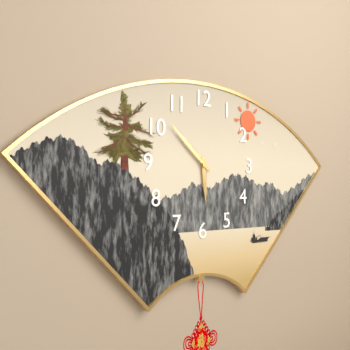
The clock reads 5,52
